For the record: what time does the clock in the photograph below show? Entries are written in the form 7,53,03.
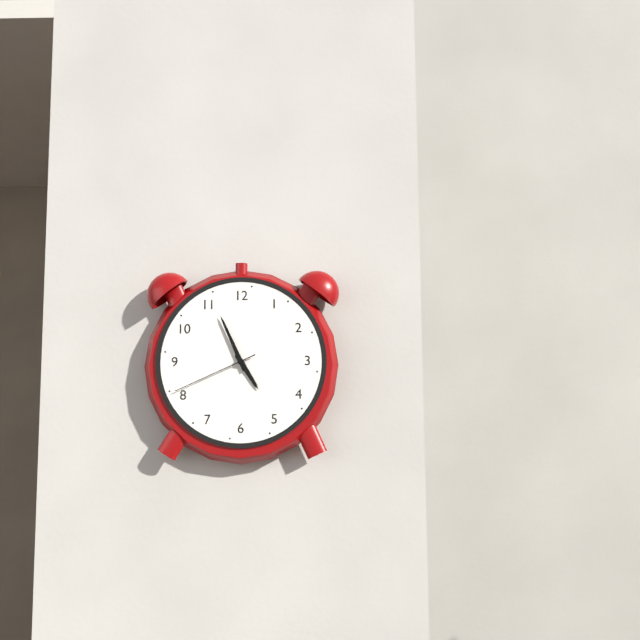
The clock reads 4,56,41
